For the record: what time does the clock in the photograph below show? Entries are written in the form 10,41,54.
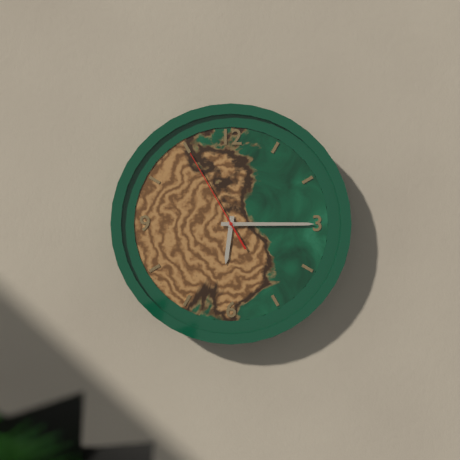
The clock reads 6,15,55
